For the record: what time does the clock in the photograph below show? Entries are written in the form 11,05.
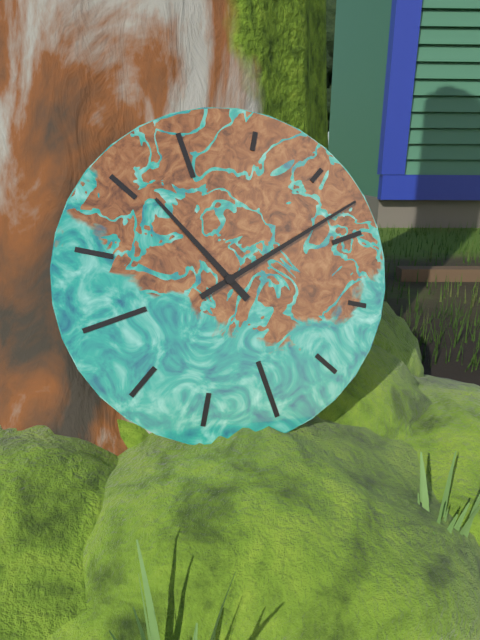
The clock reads 11,13
